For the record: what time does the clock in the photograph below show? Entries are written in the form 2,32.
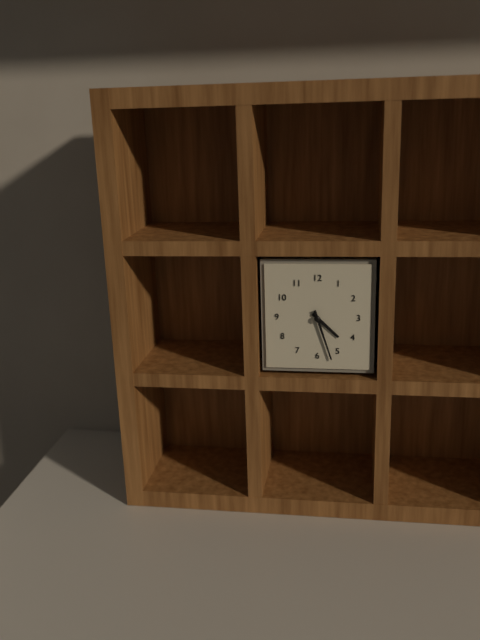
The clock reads 4,27
